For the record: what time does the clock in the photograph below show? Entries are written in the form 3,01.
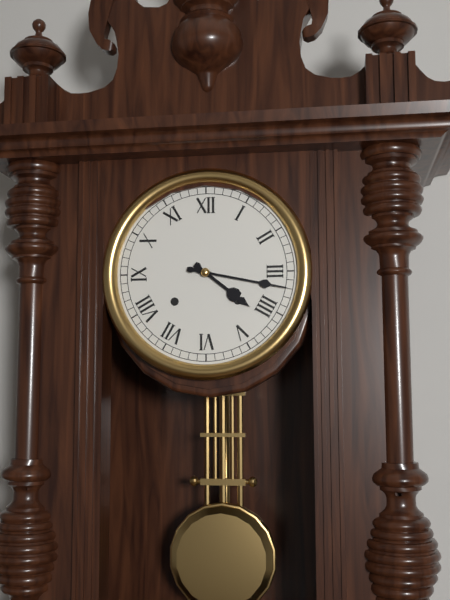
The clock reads 4,17
